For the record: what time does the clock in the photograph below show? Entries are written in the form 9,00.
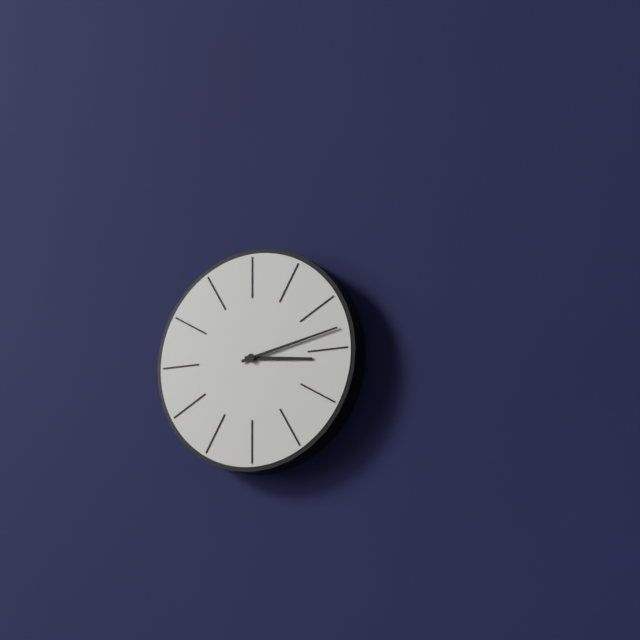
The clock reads 3,13
